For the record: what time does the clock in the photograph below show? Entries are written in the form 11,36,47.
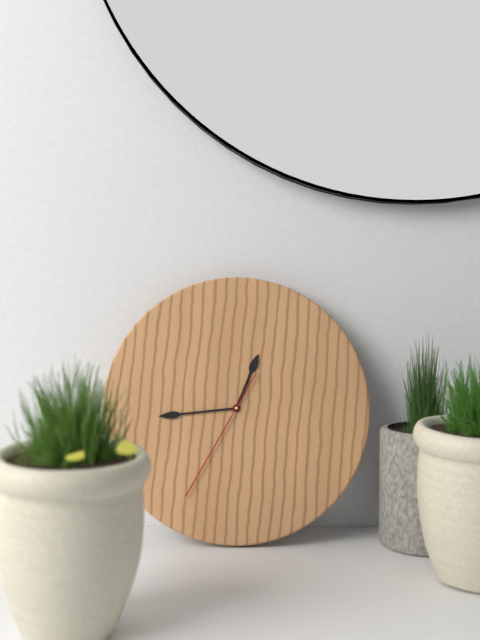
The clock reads 12,44,35
